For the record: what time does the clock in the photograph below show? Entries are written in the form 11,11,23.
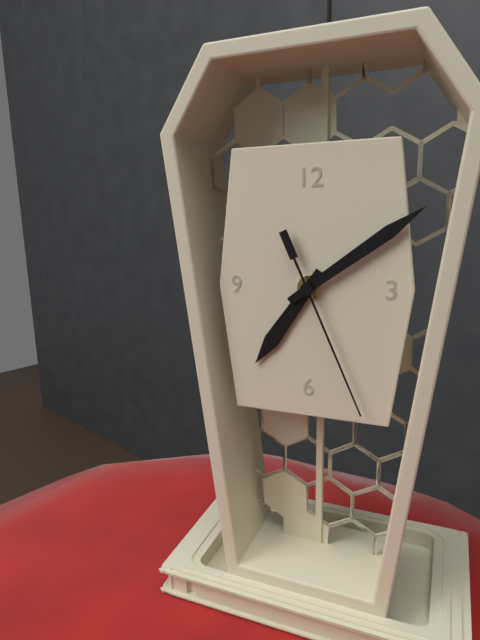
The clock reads 7,09,26
